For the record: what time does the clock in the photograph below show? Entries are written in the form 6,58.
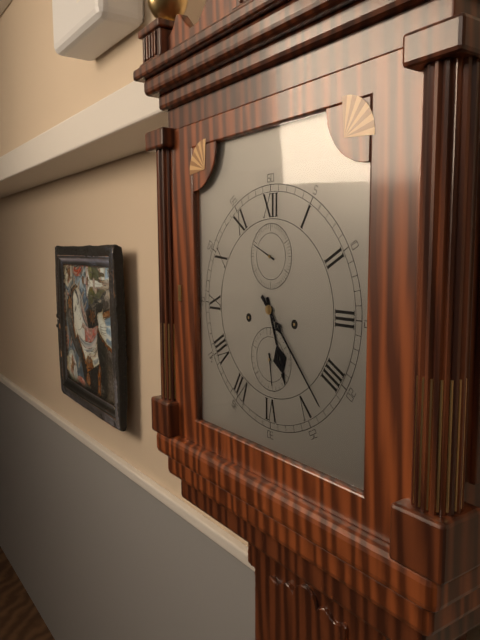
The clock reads 5,23
